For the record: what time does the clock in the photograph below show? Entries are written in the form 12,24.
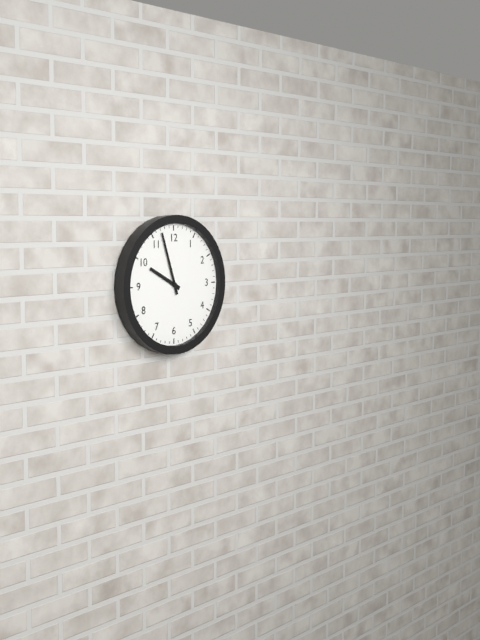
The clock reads 9,57
